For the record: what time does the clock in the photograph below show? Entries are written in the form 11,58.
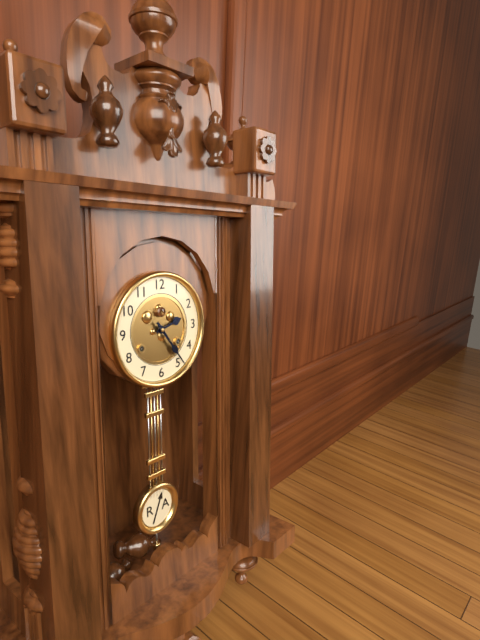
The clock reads 2,24
